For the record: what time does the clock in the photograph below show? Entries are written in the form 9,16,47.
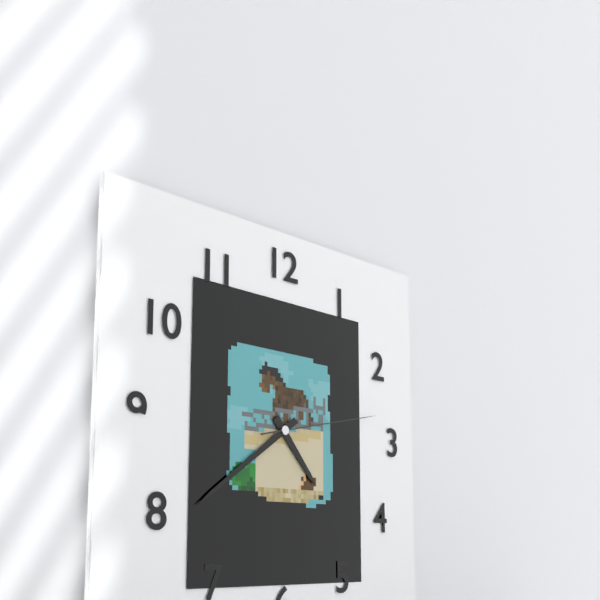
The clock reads 4,39,13
